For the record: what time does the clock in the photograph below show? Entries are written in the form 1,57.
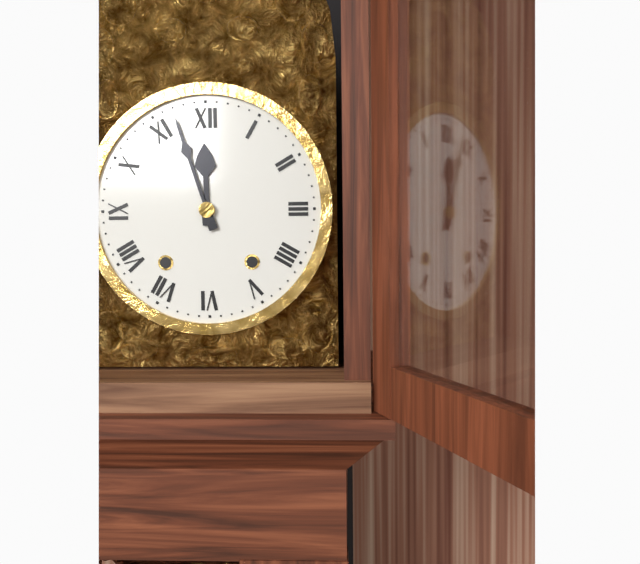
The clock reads 11,57
